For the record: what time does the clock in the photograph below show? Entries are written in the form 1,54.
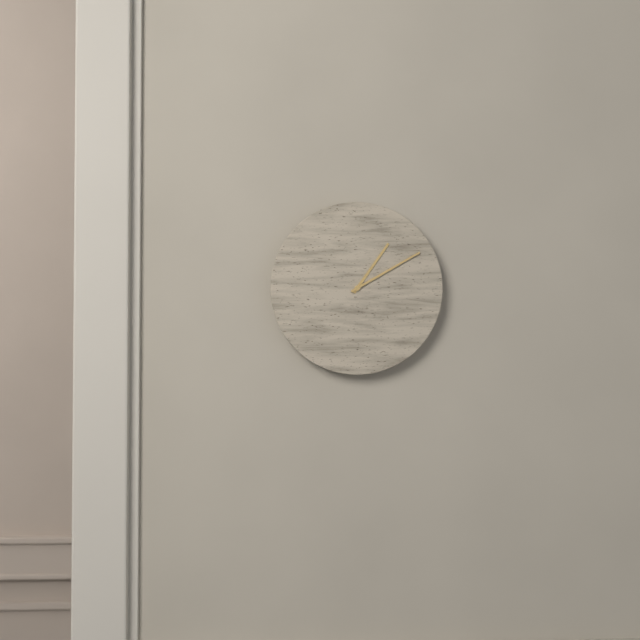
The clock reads 1,10
